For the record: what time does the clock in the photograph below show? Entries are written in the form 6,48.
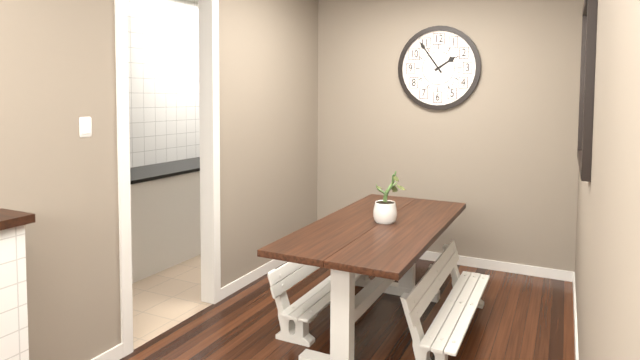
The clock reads 1,54
